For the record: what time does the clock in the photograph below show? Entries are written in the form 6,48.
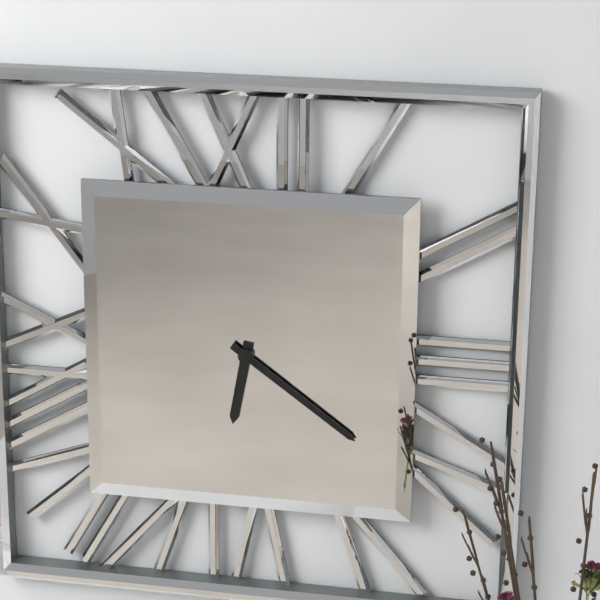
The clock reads 6,21
